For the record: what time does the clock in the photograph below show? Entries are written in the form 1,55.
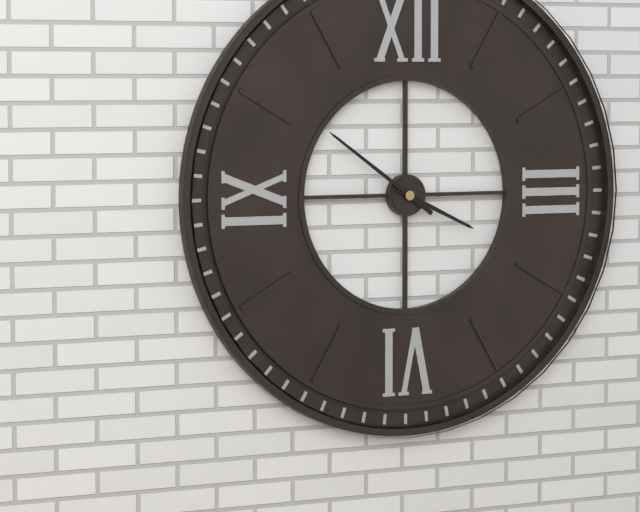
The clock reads 3,51
